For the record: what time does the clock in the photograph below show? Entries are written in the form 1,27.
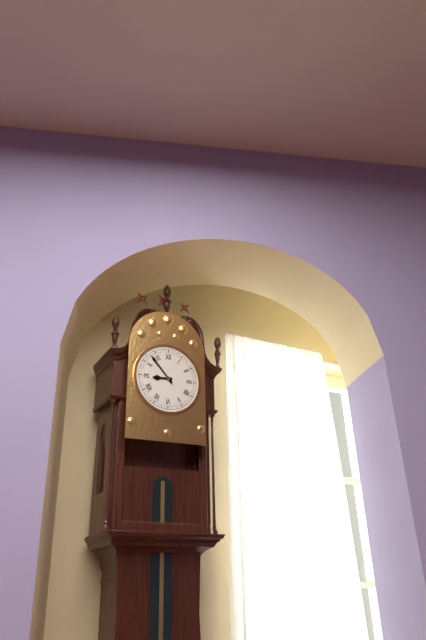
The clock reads 8,53
